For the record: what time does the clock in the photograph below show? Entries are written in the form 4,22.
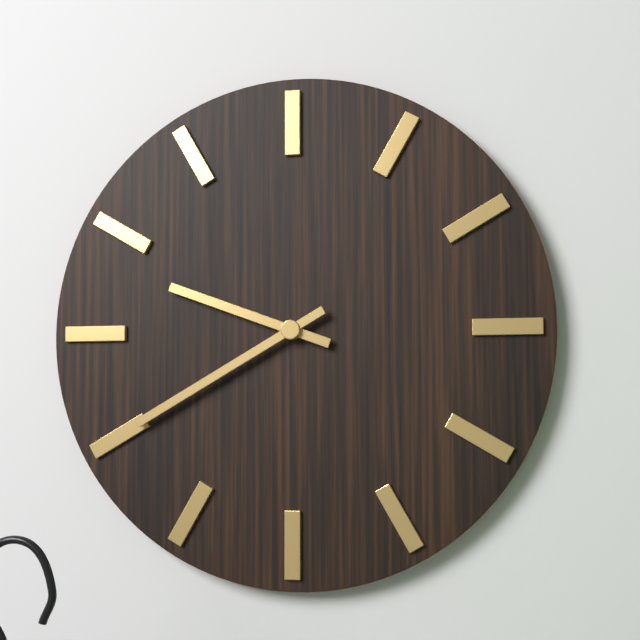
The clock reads 9,40
